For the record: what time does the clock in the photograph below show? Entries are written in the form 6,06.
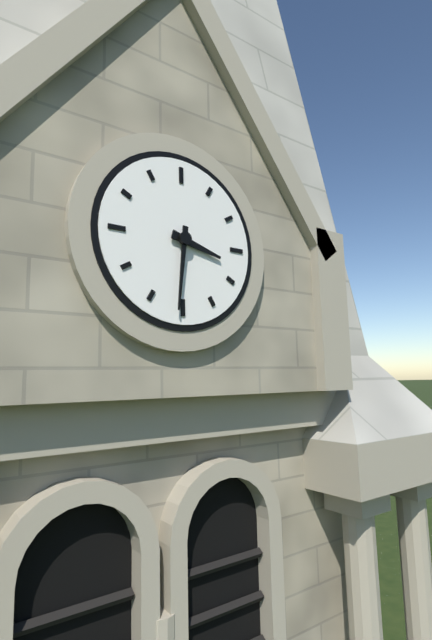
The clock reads 3,31
